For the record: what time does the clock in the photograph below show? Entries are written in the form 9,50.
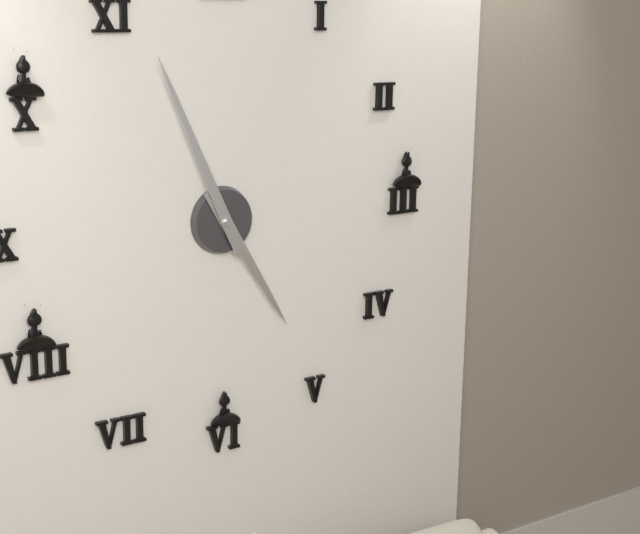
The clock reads 4,56
